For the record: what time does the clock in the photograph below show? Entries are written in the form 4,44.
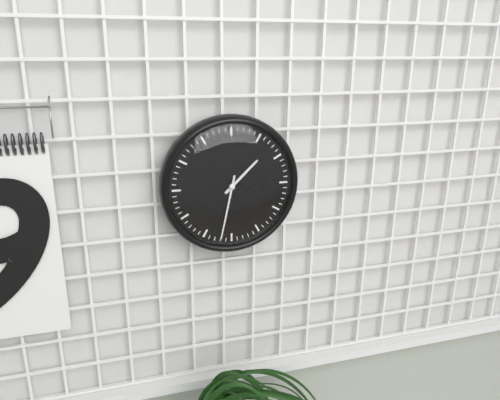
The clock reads 1,32
